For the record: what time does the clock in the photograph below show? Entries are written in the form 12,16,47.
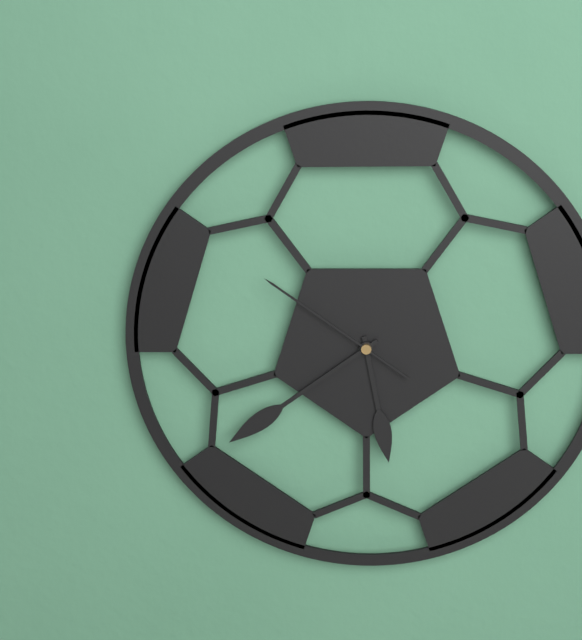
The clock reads 5,39,51
